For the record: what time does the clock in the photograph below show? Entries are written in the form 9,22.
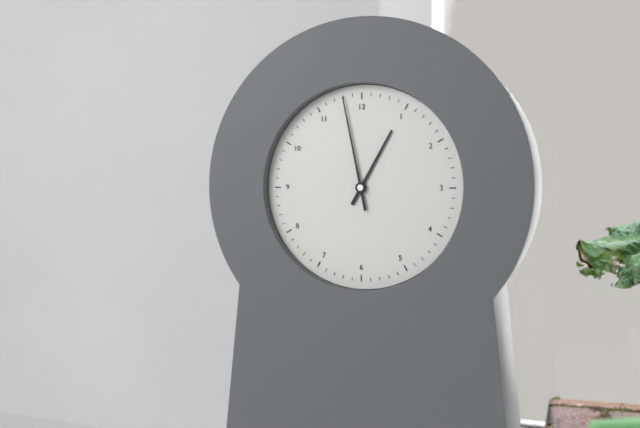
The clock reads 12,58
